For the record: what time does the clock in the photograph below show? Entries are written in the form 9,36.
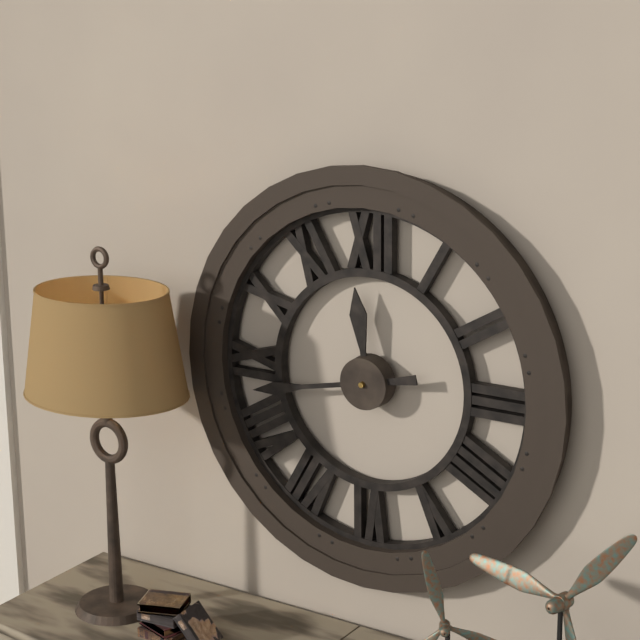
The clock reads 11,43
